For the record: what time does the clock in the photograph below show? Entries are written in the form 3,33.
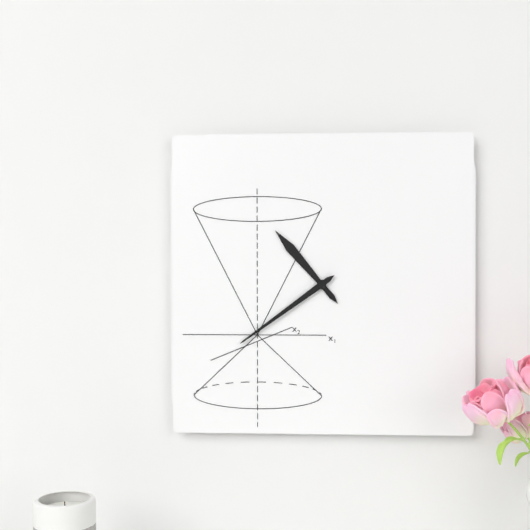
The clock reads 10,39
